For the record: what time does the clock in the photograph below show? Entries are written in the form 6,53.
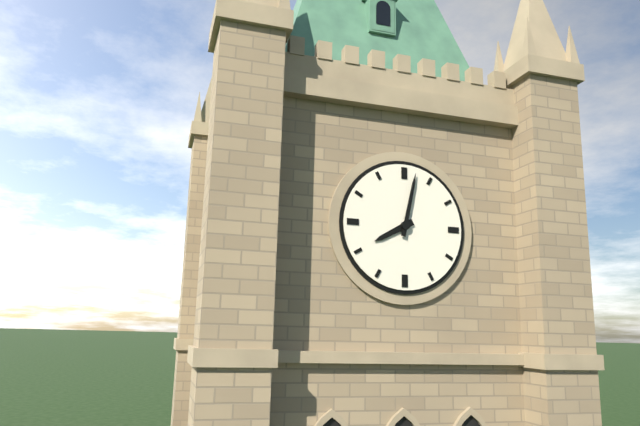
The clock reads 8,02
